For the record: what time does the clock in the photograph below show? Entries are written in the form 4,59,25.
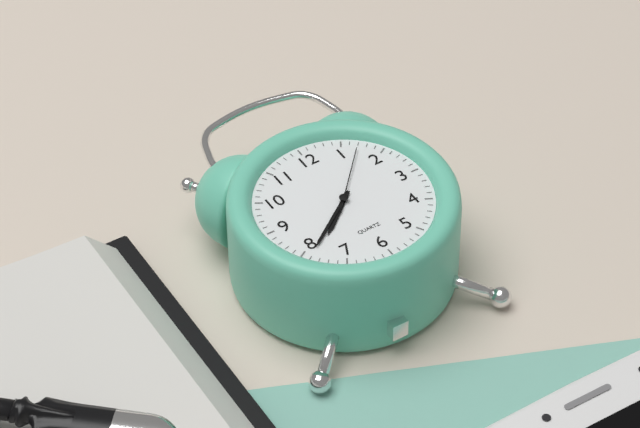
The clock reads 7,39,07
